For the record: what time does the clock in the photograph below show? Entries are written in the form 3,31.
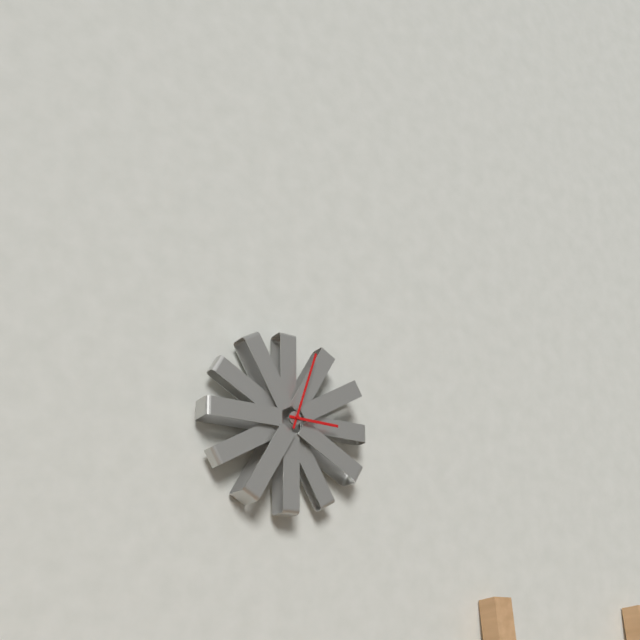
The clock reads 3,03
